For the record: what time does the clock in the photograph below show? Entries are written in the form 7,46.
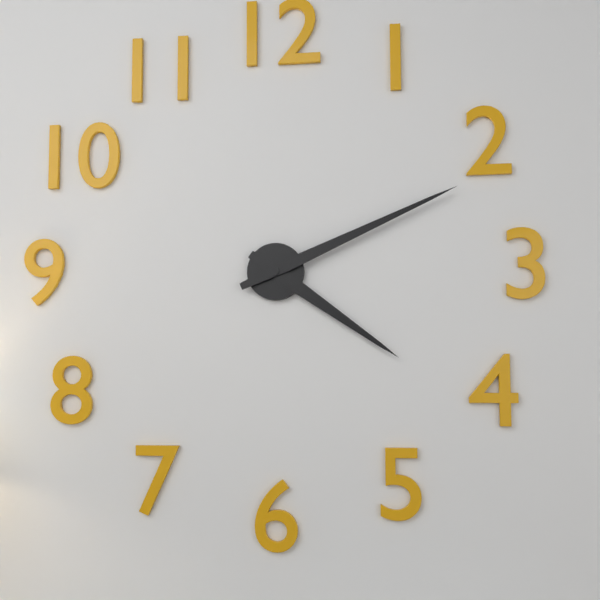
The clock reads 4,11
